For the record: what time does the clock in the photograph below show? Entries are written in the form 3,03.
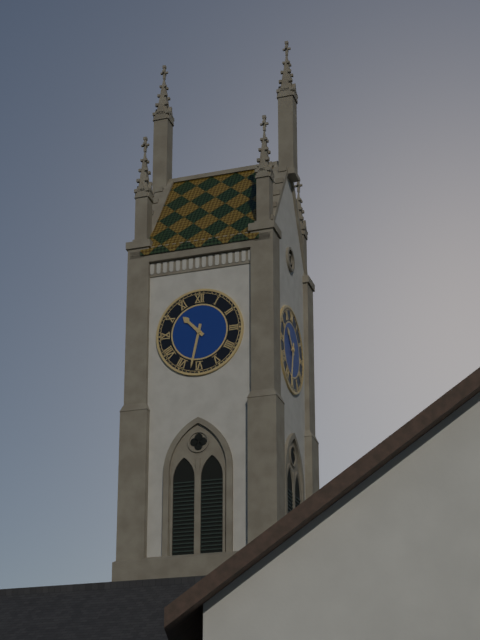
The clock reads 10,32
